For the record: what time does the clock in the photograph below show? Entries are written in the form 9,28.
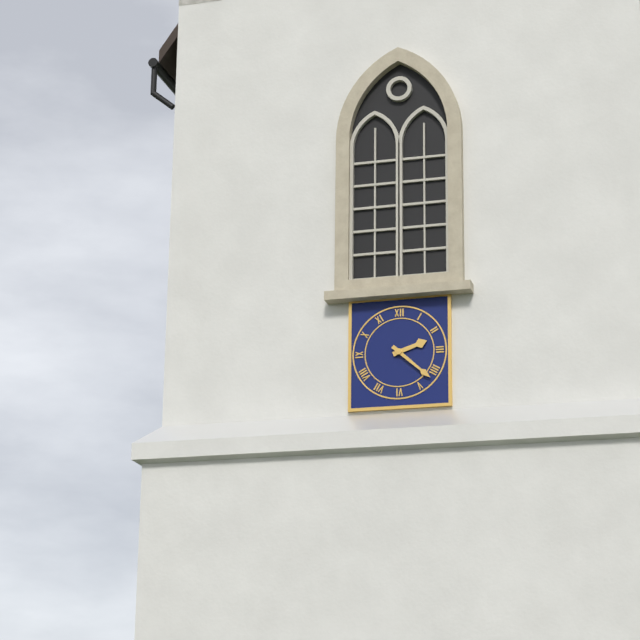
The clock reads 2,22
